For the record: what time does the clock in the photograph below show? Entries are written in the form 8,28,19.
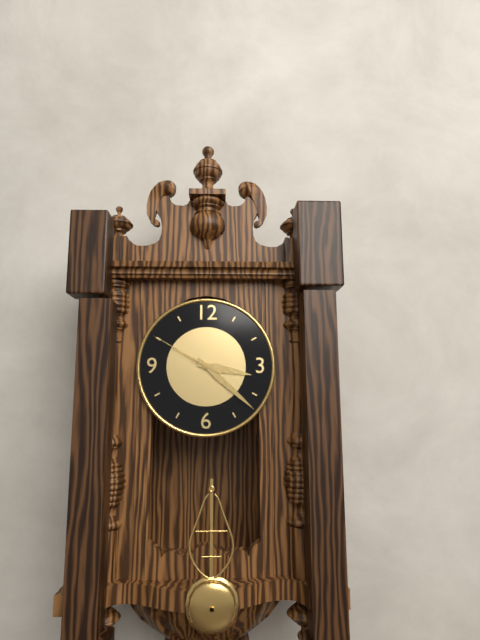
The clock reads 3,22,50
